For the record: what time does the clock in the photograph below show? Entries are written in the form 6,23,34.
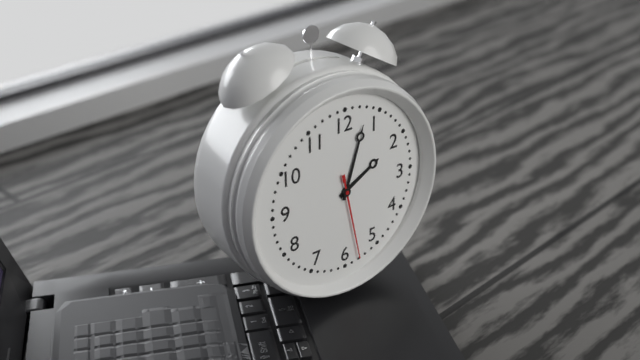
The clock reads 2,03,28
